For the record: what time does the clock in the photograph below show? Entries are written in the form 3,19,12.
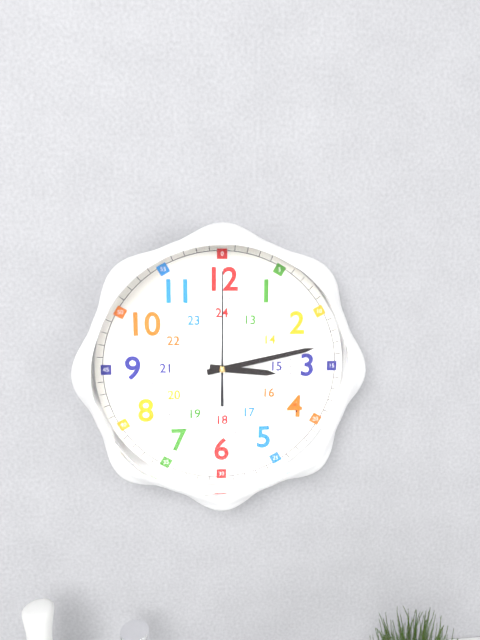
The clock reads 3,13,00
